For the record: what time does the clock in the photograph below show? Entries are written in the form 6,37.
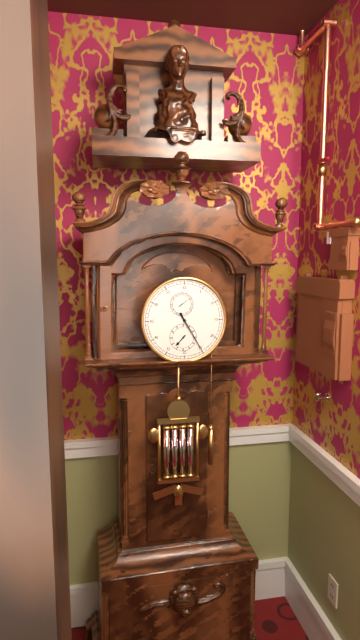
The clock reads 7,25
